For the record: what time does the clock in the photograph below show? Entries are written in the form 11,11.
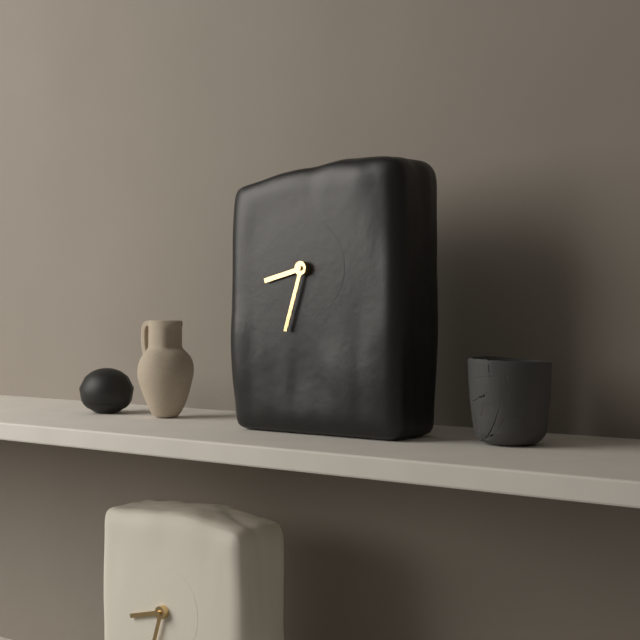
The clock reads 8,33
